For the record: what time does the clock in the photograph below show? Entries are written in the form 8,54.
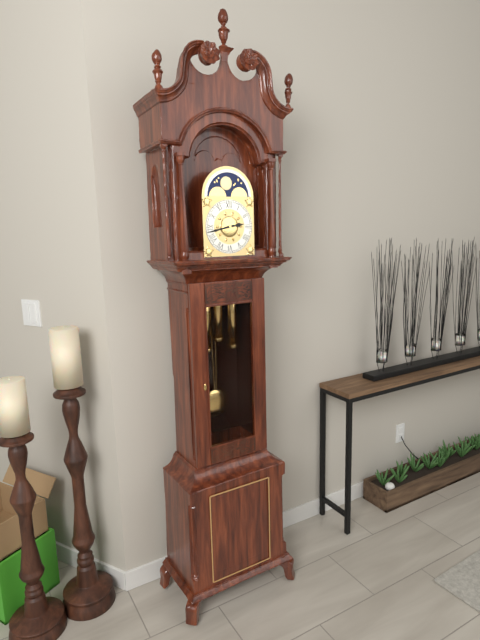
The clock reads 2,43
